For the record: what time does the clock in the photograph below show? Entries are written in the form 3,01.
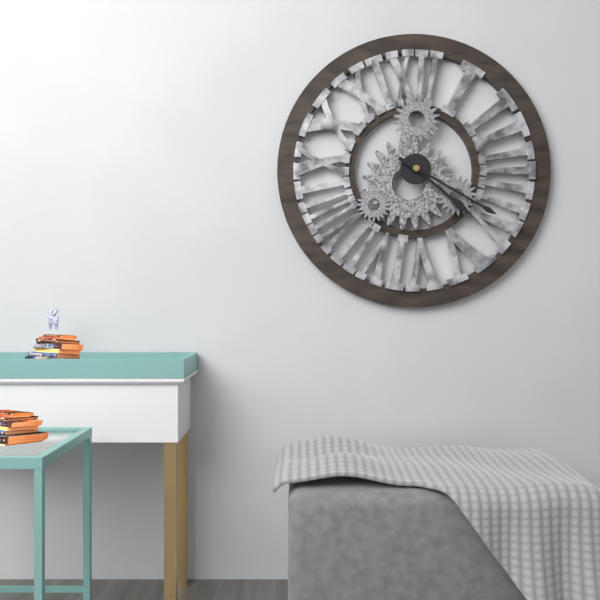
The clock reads 4,20
